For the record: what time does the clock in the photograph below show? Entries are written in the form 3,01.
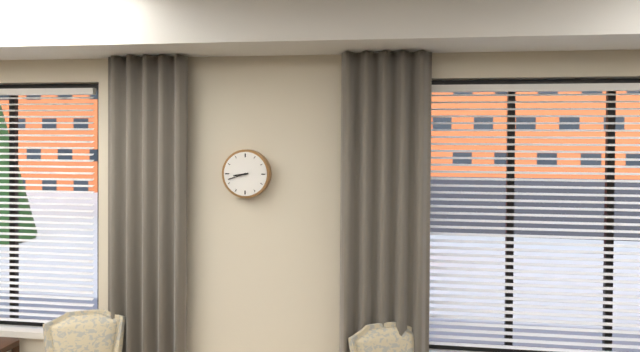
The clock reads 8,42
